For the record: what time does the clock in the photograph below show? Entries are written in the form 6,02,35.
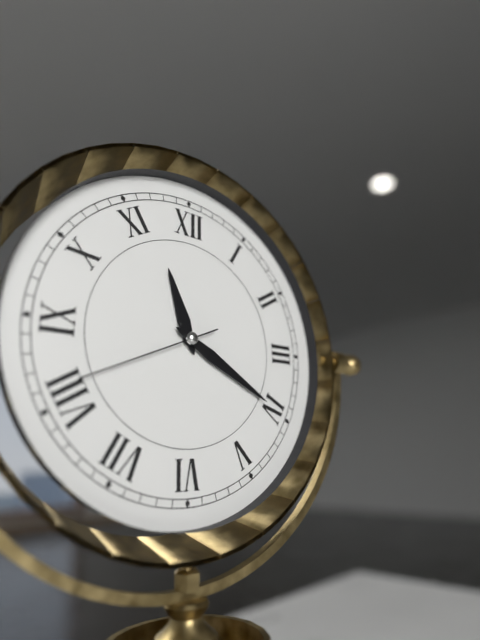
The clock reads 11,20,41
